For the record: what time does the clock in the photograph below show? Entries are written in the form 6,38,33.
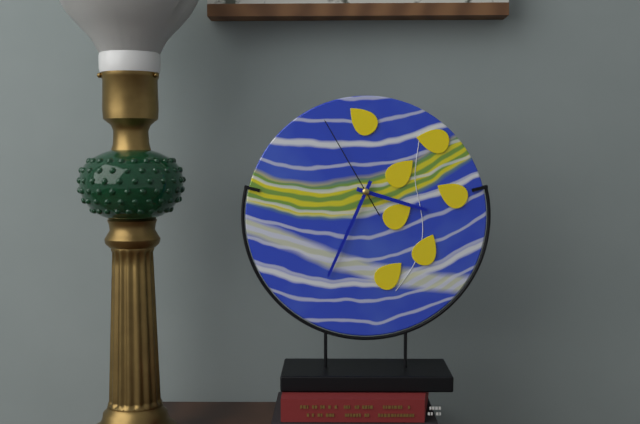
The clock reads 3,34,55
